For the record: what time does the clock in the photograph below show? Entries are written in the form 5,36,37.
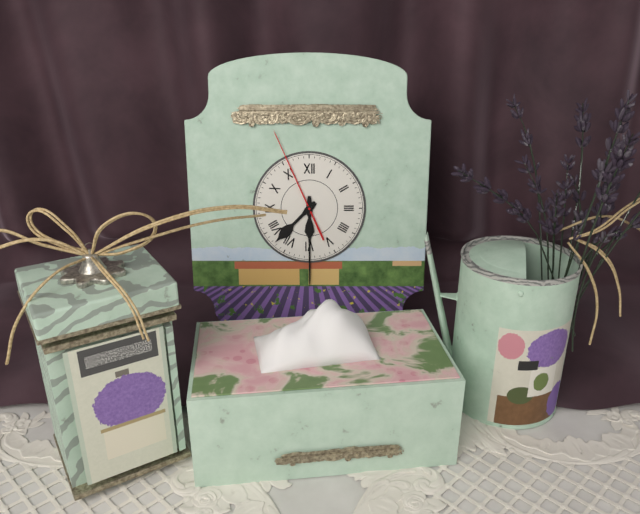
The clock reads 7,30,56
